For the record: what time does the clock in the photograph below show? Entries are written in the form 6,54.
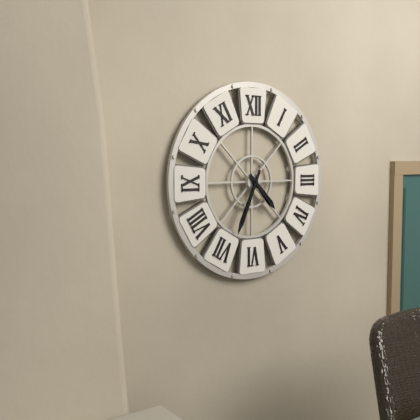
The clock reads 4,34
